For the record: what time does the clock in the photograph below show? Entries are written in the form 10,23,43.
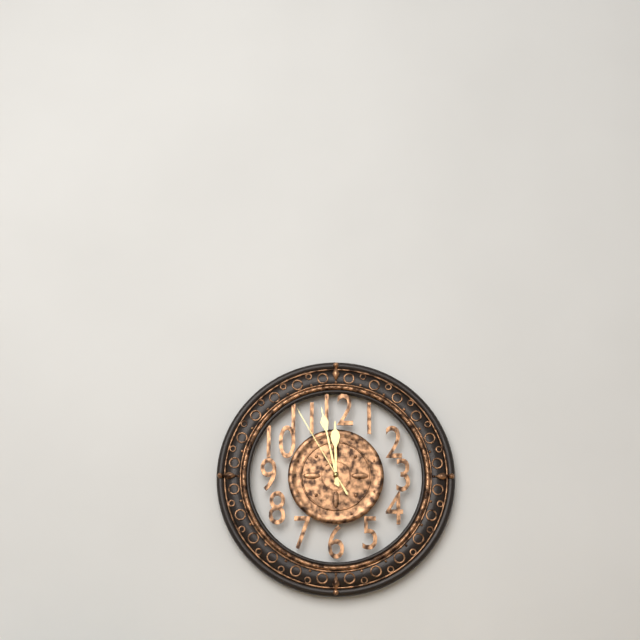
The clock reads 11,58,55
